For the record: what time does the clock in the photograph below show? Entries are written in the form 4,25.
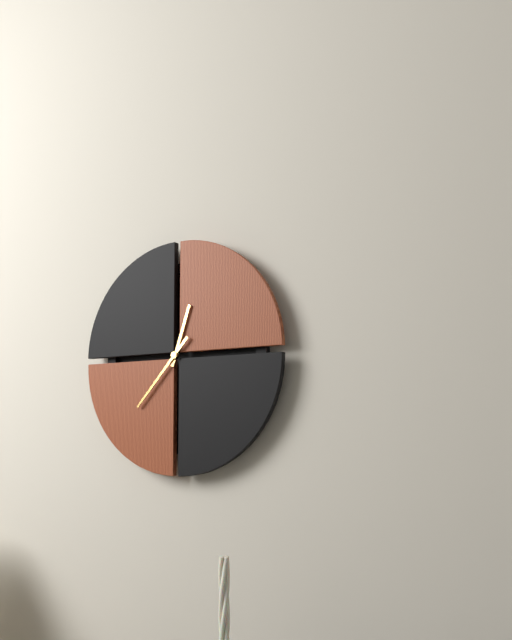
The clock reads 12,37
